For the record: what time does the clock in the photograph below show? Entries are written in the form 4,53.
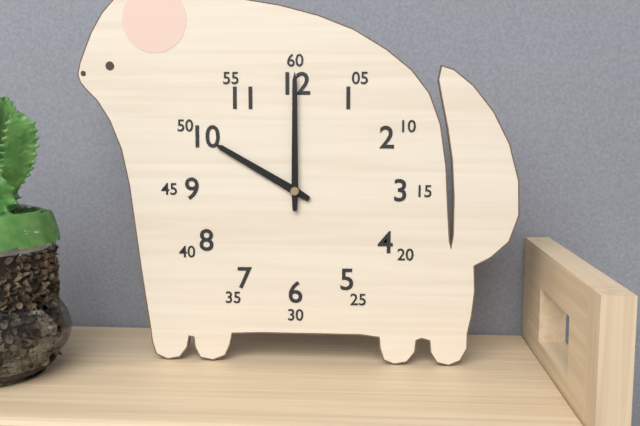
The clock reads 10,00
